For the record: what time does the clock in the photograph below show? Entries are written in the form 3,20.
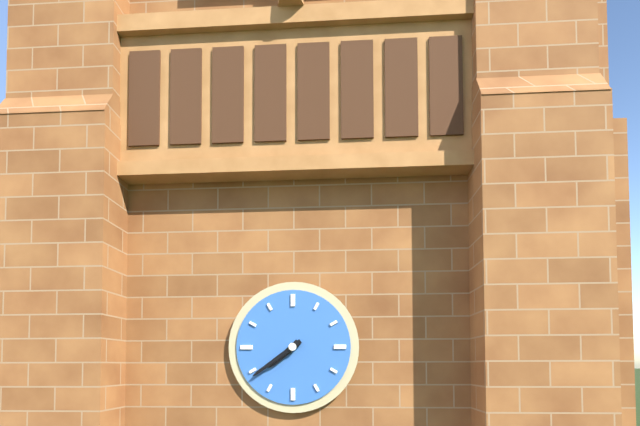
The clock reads 7,39
